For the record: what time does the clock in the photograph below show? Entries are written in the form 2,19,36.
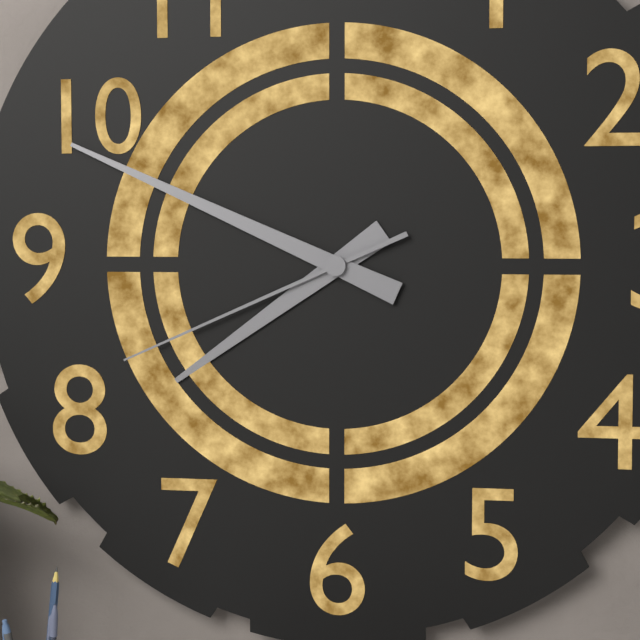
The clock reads 7,49,41
